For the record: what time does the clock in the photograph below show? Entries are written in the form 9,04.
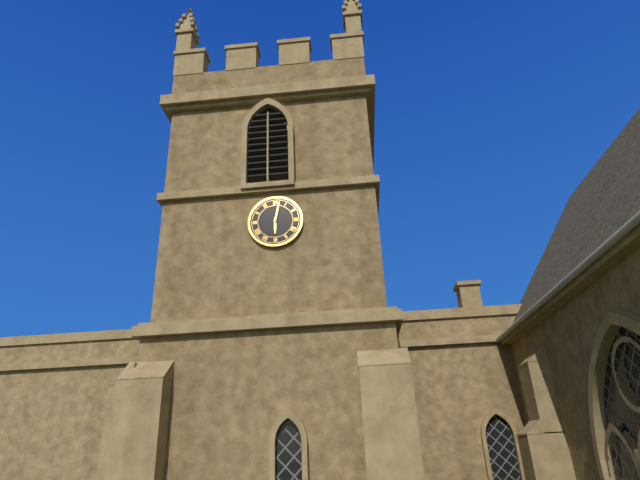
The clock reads 6,02
